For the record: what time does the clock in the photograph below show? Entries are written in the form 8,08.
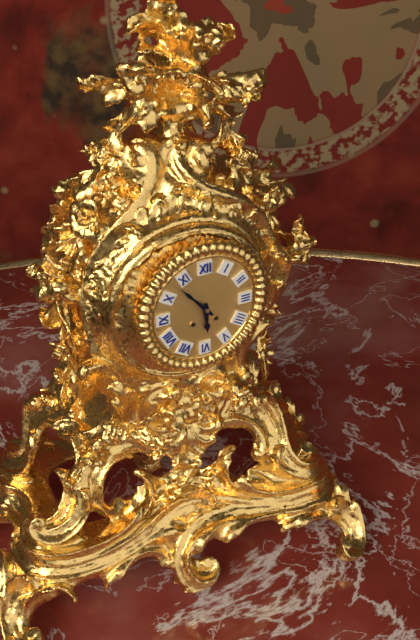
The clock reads 5,53
